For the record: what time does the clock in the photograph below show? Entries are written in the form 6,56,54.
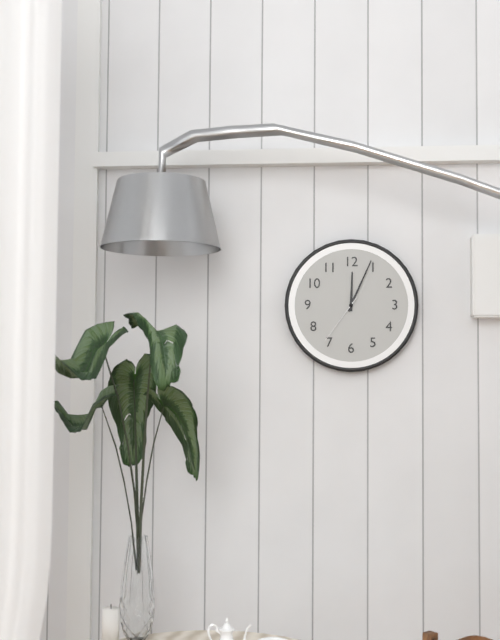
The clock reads 12,04,36
